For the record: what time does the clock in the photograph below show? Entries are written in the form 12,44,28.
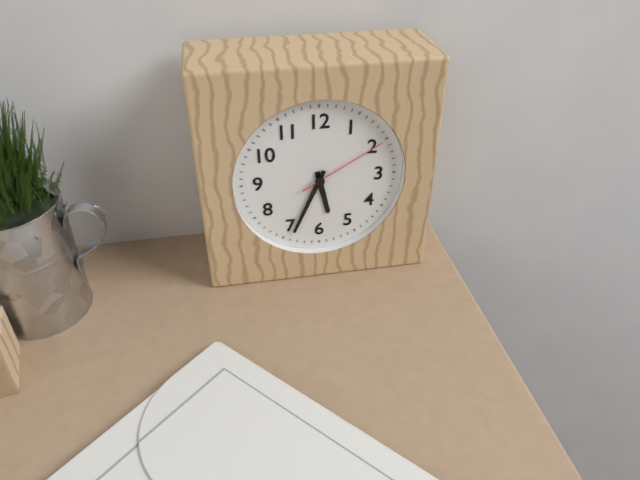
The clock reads 5,34,10
